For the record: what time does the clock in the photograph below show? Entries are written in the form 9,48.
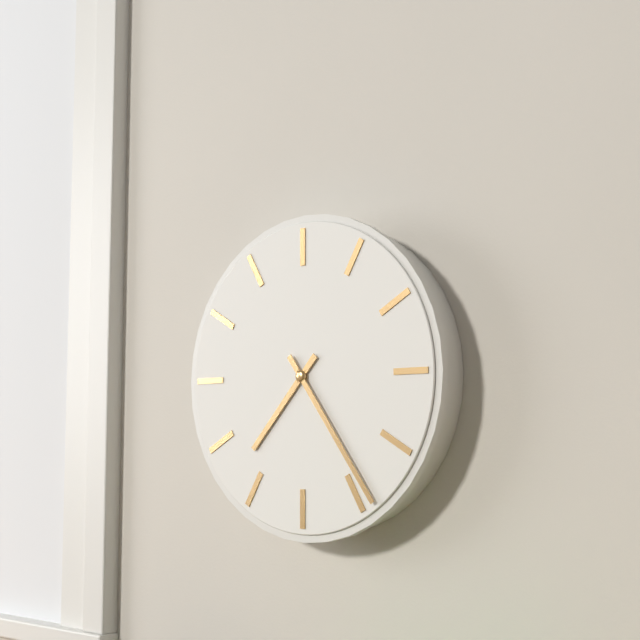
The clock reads 7,24
